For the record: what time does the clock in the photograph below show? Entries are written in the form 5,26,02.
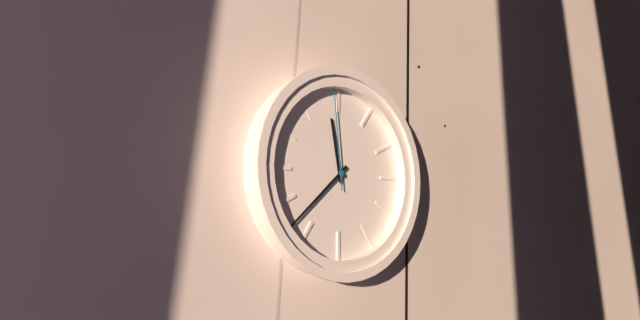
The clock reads 11,38,59
